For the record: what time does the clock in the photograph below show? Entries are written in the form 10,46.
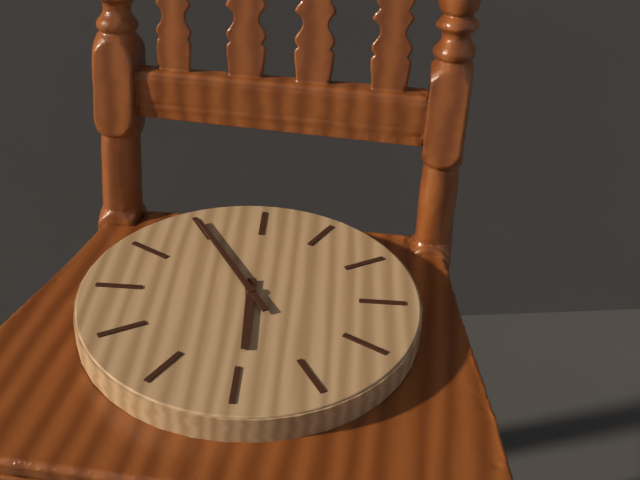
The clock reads 5,55
